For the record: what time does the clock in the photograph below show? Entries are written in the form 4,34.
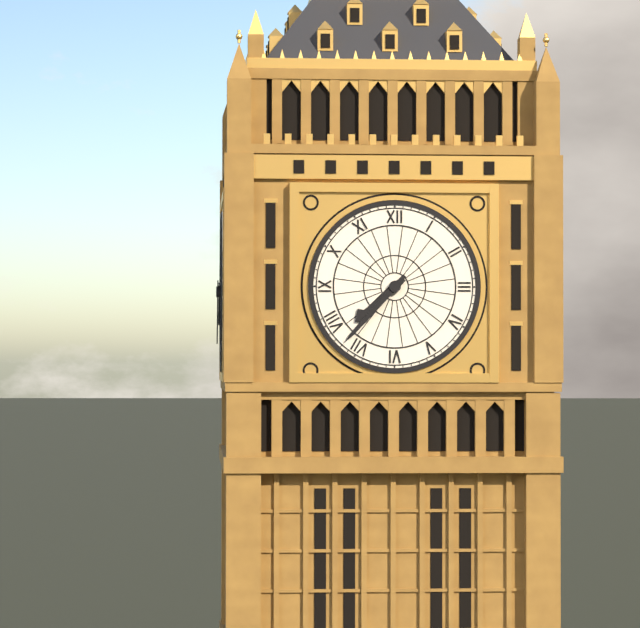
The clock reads 7,37
